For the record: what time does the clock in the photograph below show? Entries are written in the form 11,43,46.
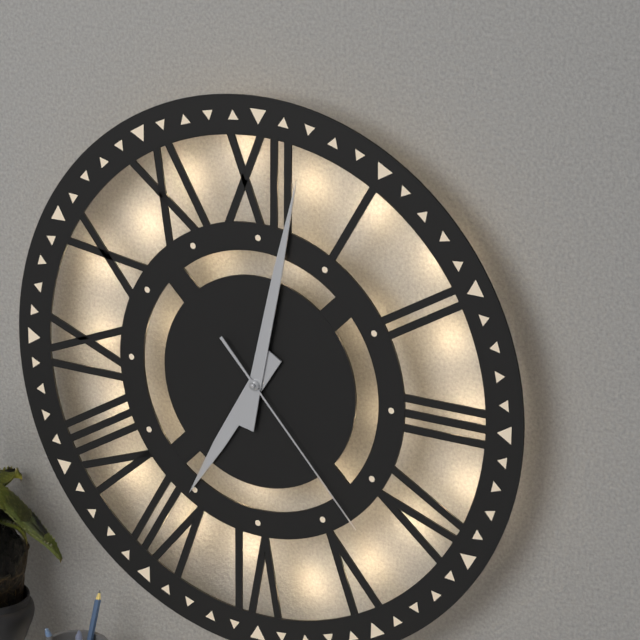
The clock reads 7,02,23
